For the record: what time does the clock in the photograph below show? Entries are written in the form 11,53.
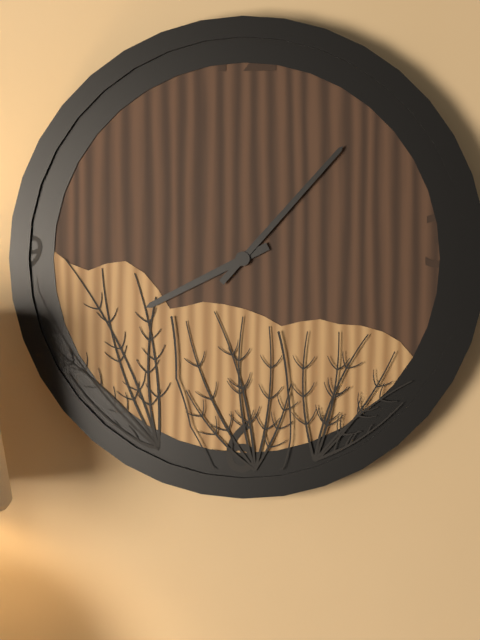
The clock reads 8,07
